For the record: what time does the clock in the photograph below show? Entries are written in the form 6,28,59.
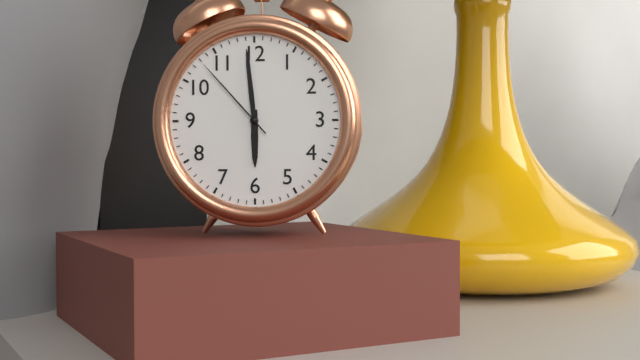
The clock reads 5,59,53
